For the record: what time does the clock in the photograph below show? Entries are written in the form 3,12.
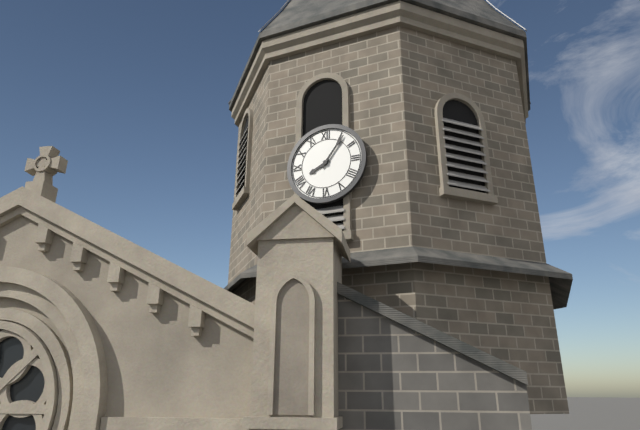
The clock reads 8,06
